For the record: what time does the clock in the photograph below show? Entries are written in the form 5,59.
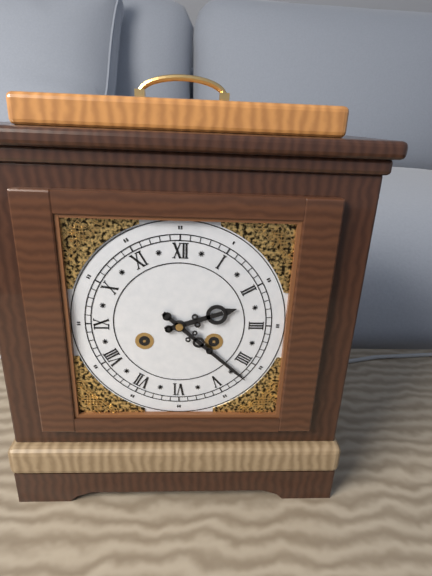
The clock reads 2,22
